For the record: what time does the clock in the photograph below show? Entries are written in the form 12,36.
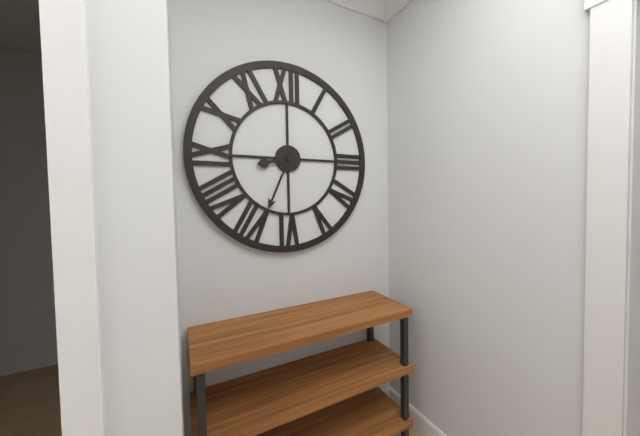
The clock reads 8,34
